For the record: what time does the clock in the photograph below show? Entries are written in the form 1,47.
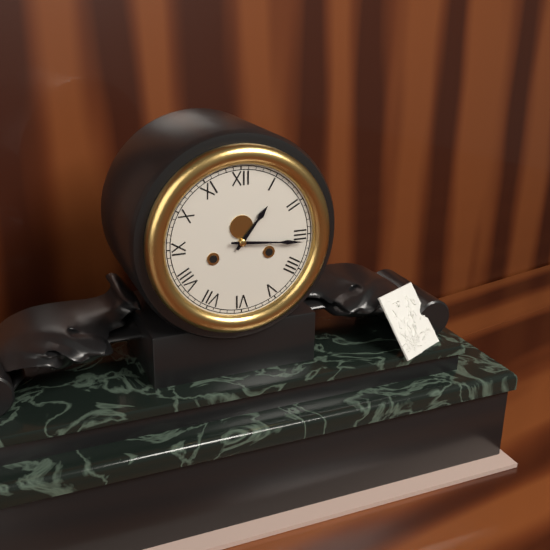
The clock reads 1,16
